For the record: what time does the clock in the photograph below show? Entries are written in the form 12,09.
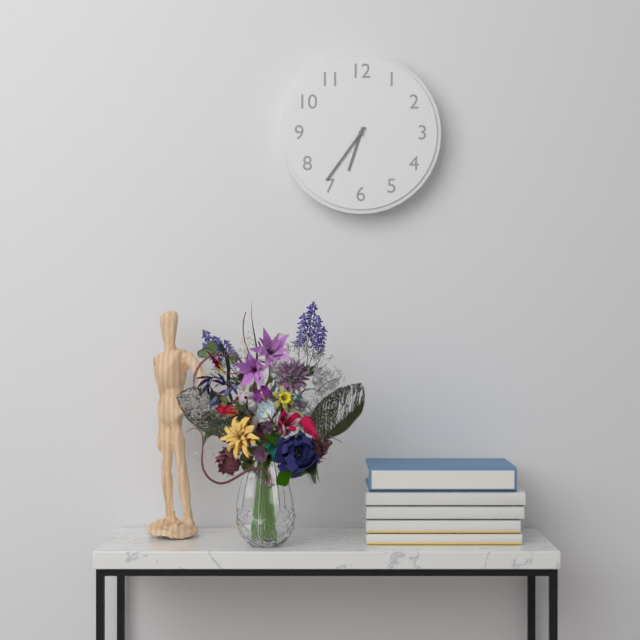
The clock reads 6,36
